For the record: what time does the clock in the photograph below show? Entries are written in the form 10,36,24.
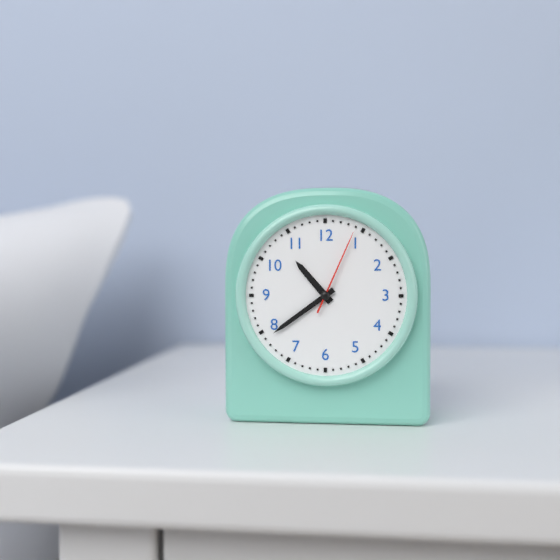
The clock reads 10,39,04
